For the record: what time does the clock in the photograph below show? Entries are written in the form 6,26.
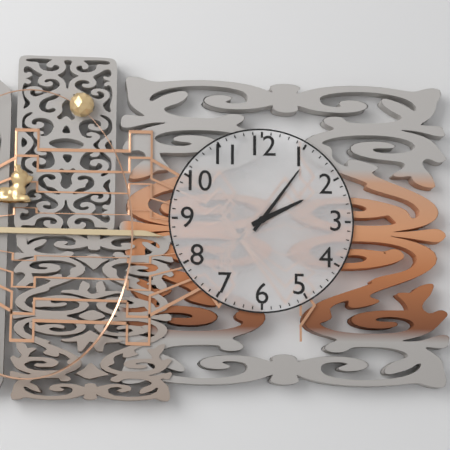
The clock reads 2,06
